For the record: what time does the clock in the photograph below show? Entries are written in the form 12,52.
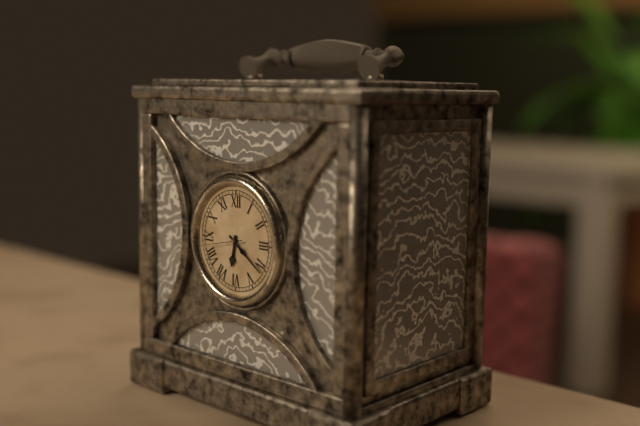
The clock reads 6,21
